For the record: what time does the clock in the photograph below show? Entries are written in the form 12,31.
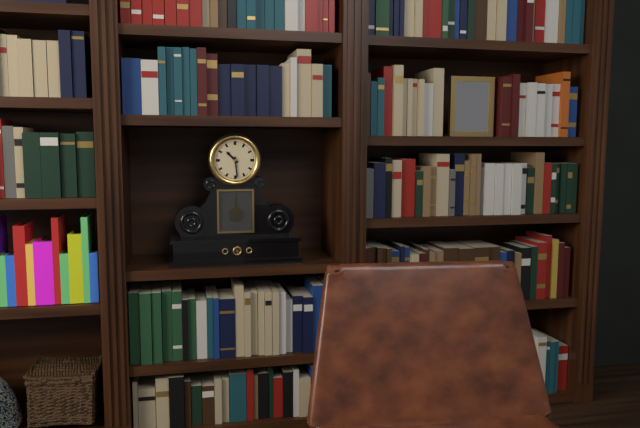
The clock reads 10,29
